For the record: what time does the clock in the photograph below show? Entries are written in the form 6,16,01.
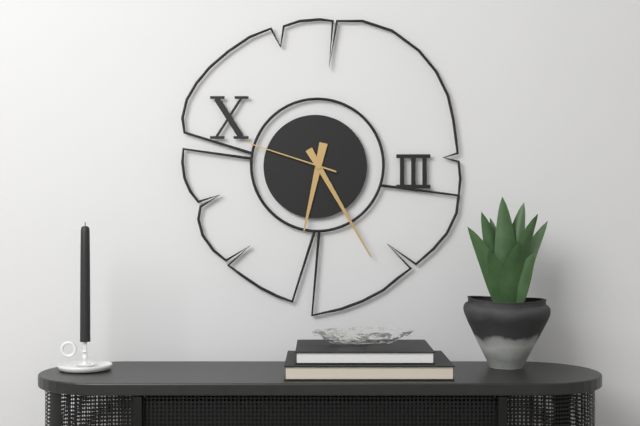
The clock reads 6,25,48
